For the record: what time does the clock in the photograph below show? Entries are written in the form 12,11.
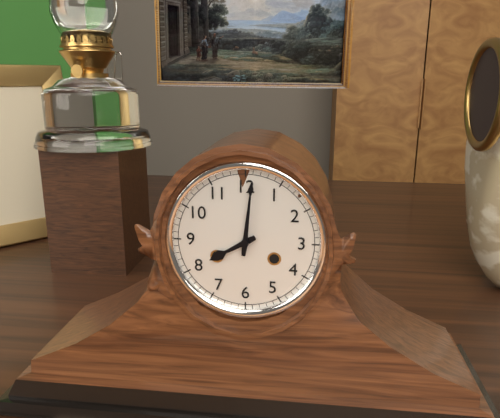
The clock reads 8,01
